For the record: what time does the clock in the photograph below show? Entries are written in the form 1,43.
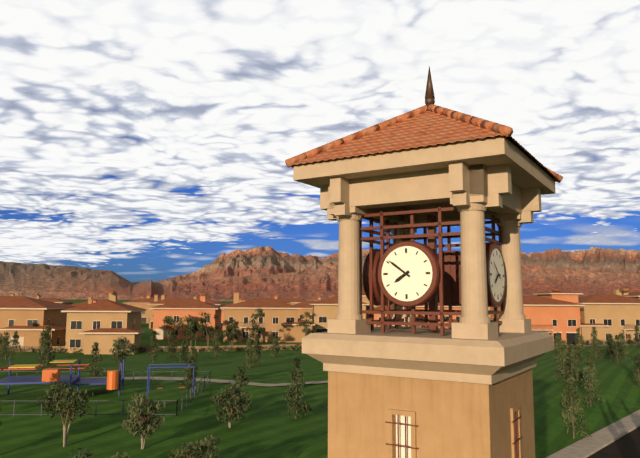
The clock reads 7,51
